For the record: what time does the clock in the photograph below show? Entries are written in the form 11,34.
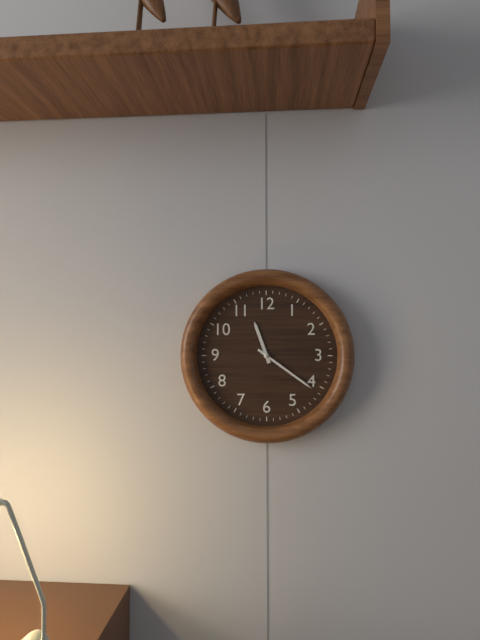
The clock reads 11,21
